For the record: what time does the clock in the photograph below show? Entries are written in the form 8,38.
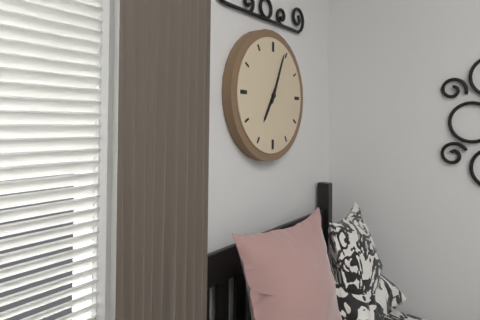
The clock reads 7,04
